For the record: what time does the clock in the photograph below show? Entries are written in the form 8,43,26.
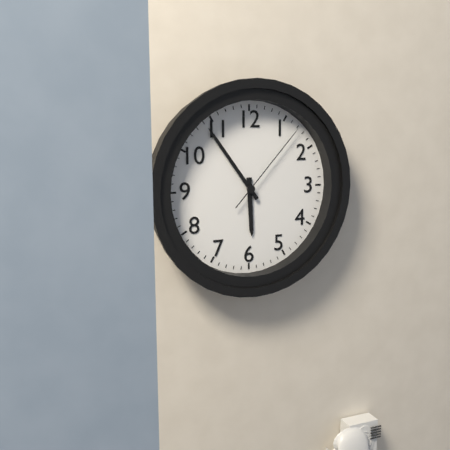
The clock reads 5,54,07
